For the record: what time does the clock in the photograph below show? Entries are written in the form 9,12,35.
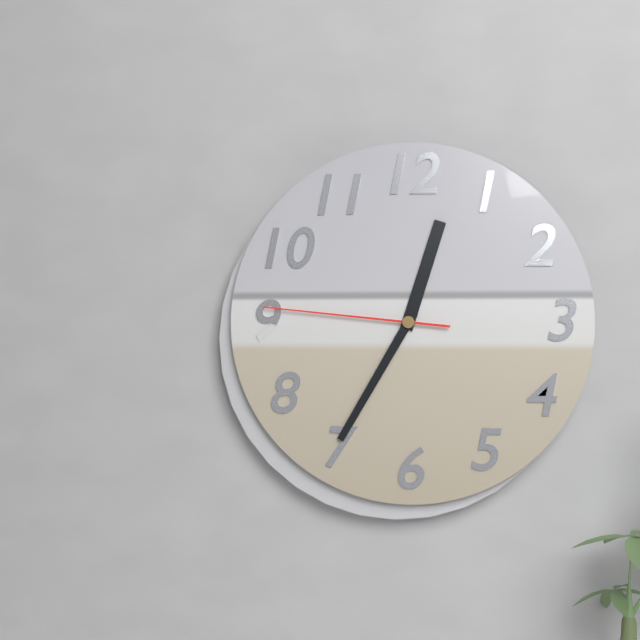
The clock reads 12,35,46
